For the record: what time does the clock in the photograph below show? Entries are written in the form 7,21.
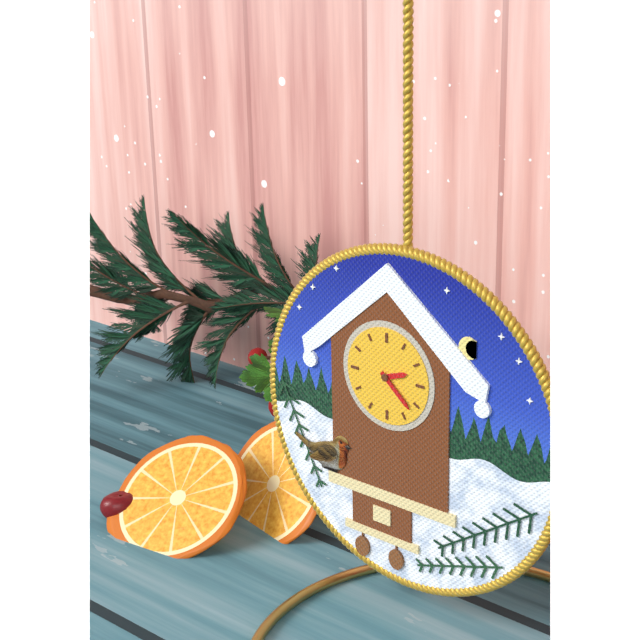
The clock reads 2,22
